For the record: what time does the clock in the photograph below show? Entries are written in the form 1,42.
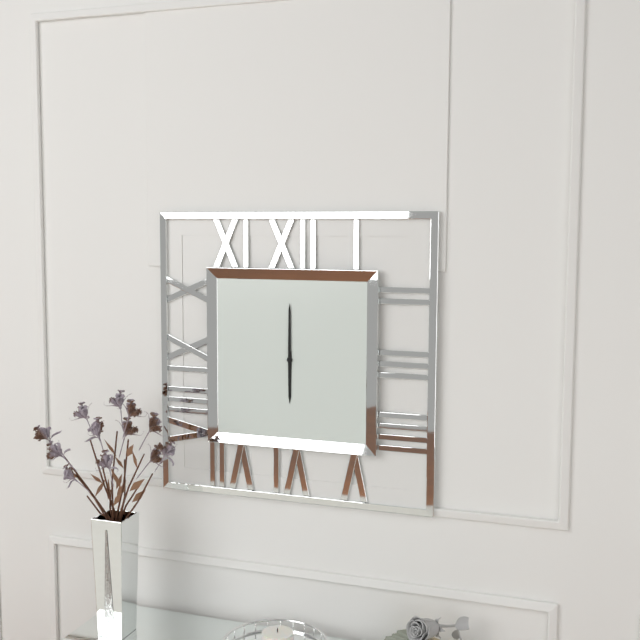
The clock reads 6,00
